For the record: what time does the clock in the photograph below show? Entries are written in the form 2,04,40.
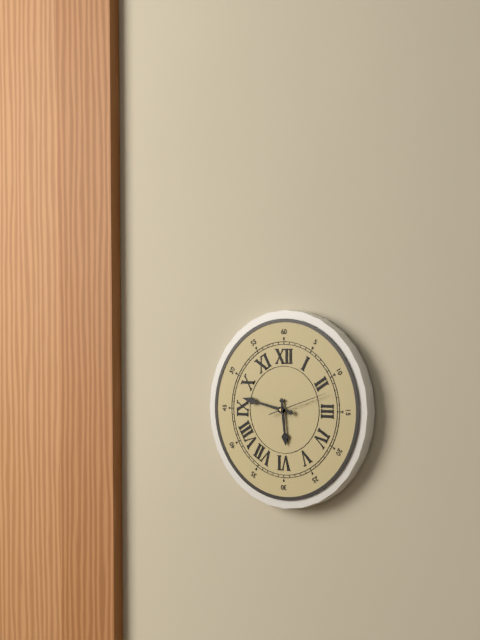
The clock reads 5,47,12
